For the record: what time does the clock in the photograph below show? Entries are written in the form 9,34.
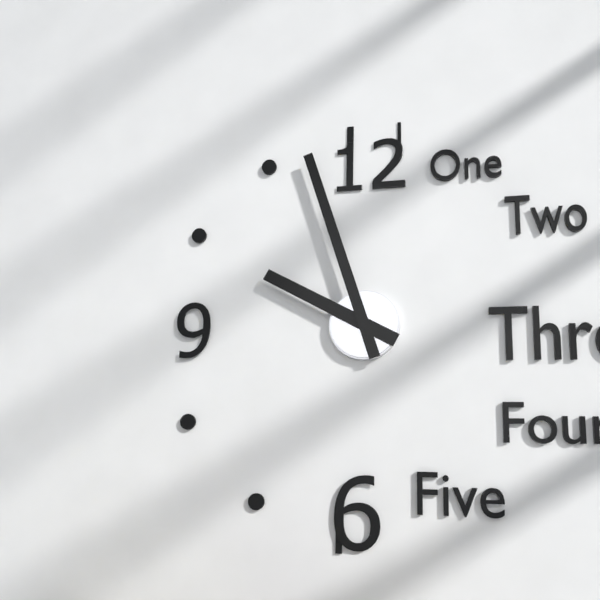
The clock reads 9,57
